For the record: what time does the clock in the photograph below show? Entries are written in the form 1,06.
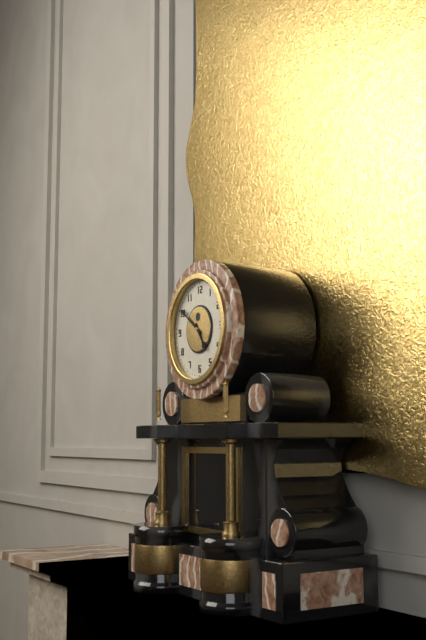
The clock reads 4,51
